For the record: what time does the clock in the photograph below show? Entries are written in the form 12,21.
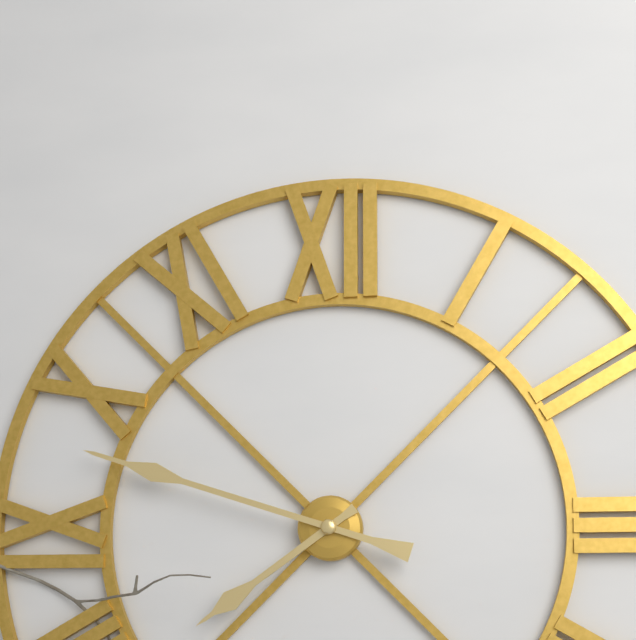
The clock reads 7,48
